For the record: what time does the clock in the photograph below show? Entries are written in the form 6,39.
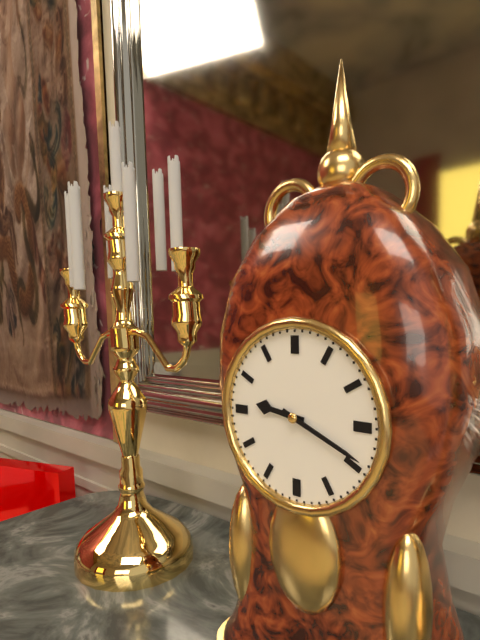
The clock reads 9,19
